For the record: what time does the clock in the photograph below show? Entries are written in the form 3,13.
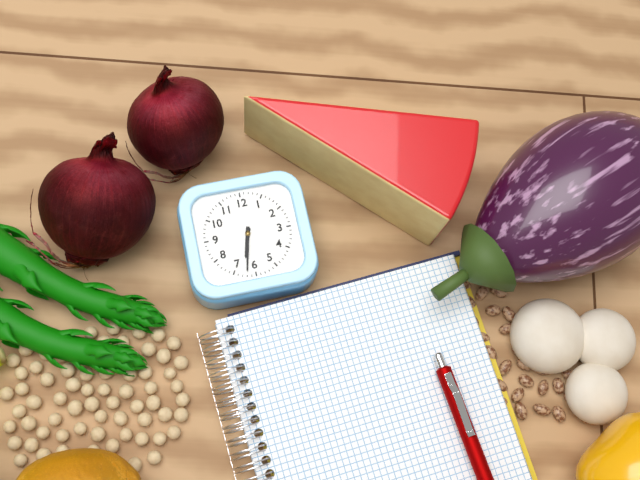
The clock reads 6,32
